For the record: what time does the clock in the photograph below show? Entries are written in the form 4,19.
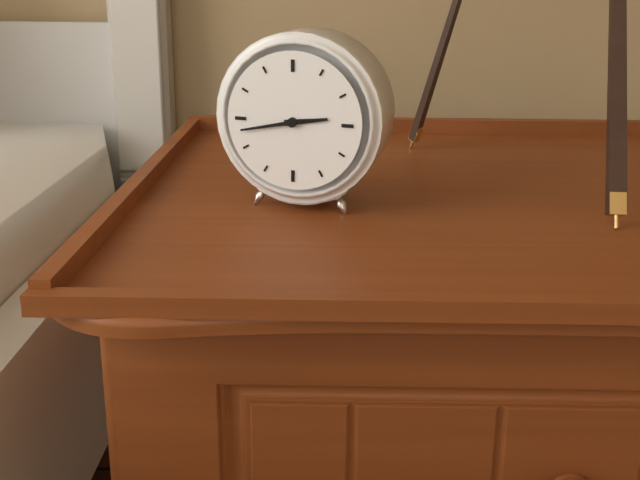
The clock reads 2,43
